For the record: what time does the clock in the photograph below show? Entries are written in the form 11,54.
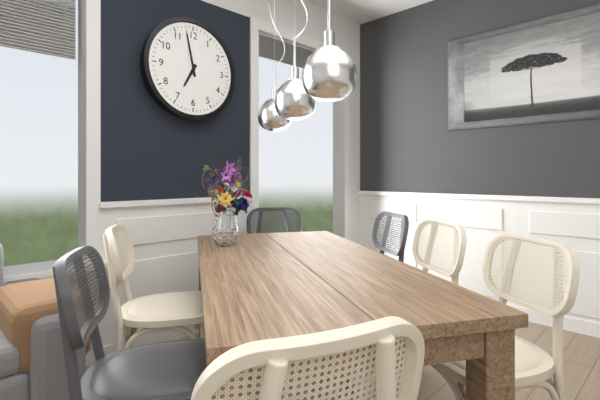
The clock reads 6,58
